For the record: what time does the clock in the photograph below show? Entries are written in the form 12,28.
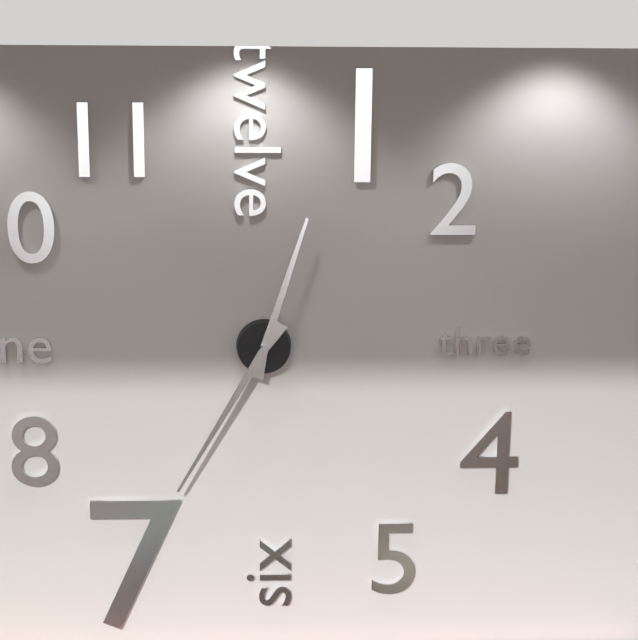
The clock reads 12,35
